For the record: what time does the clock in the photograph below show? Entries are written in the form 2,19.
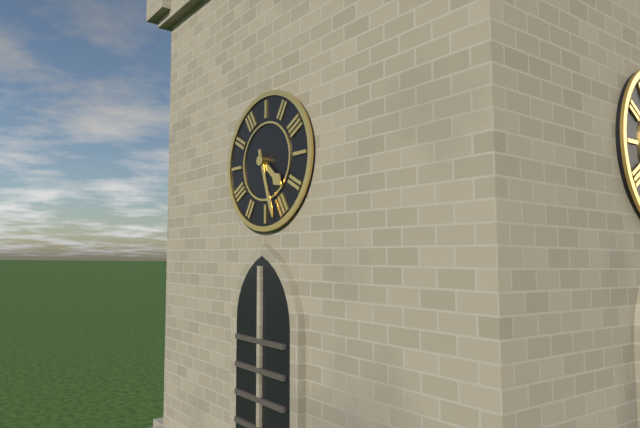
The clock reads 4,27
